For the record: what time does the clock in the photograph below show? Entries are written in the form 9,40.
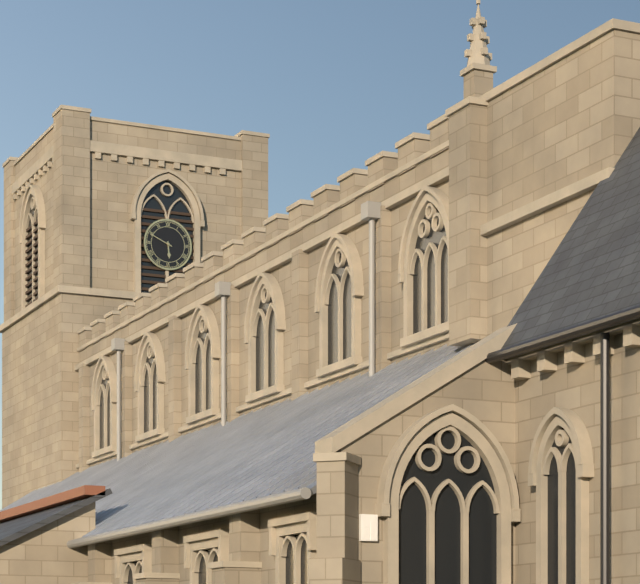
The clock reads 5,49
